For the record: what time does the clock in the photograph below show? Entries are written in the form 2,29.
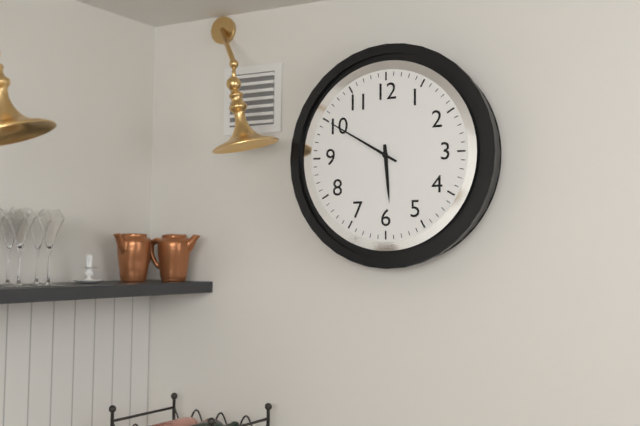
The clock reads 5,50
